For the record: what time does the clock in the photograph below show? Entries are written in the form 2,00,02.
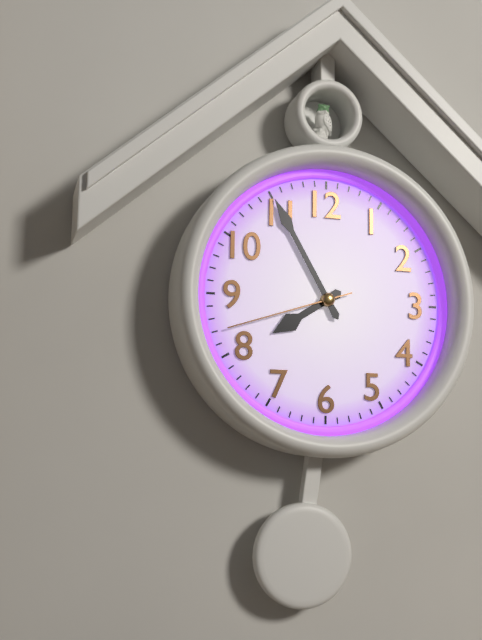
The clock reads 7,55,42
